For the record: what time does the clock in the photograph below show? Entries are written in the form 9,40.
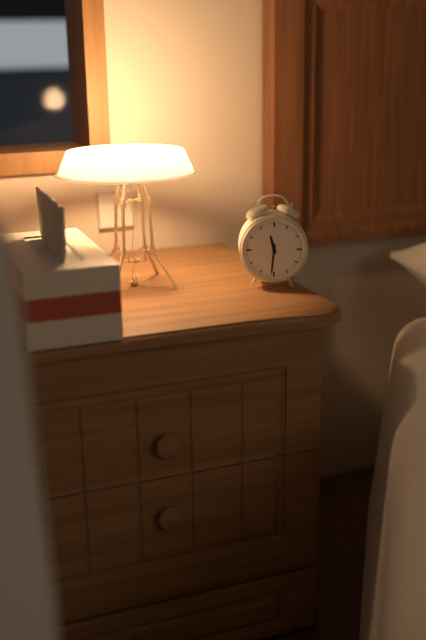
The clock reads 11,31
